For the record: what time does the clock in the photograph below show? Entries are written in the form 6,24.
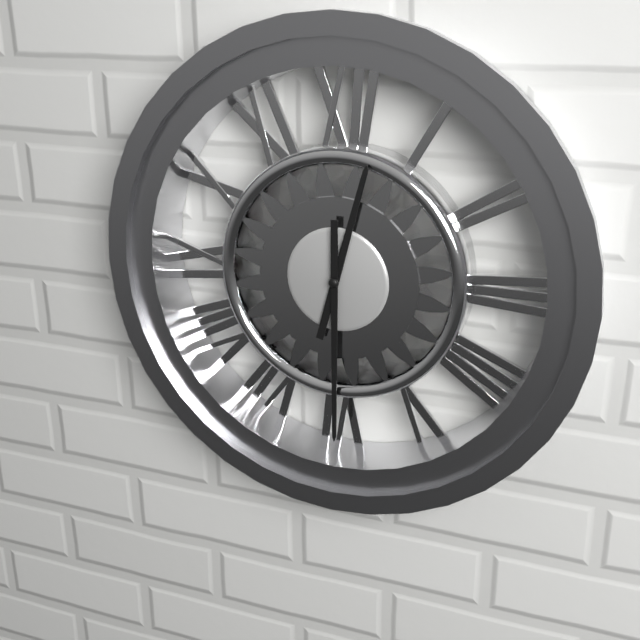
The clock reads 12,30
